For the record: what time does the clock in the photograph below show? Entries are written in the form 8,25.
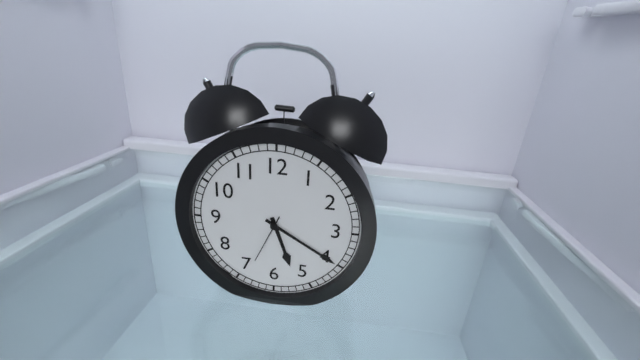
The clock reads 5,20
